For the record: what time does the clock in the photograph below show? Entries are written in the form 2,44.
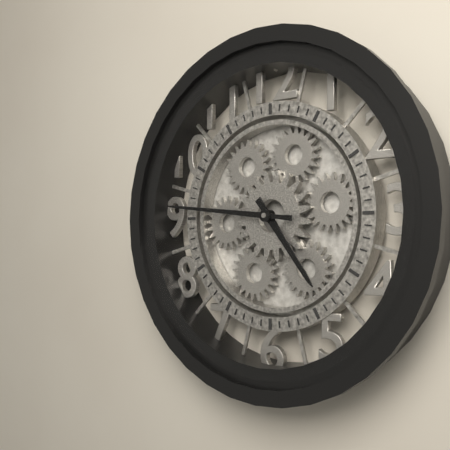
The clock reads 4,46
